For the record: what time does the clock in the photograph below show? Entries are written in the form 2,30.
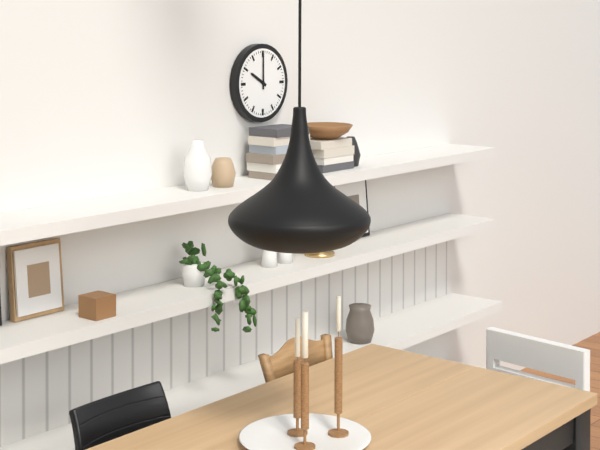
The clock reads 10,00
